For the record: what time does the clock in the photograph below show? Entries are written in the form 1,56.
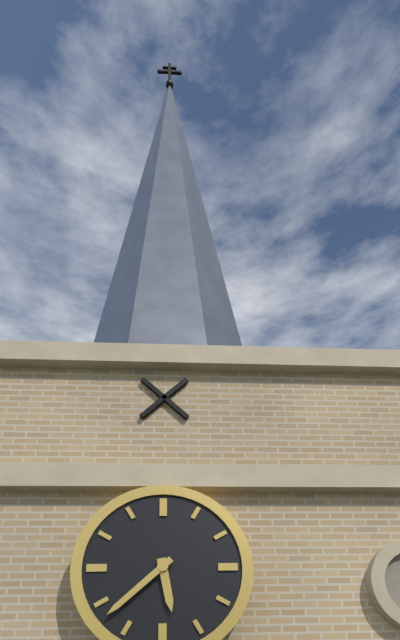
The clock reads 5,38
